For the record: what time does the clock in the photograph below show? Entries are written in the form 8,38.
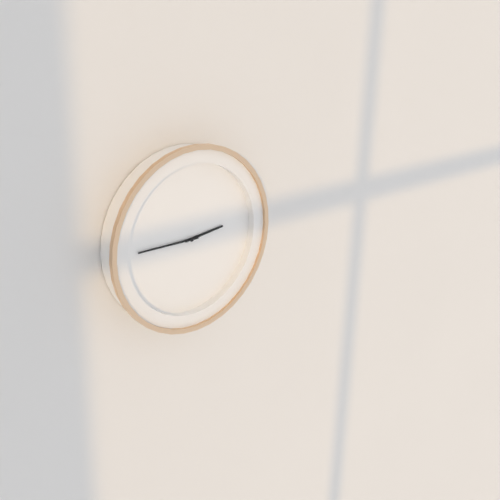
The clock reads 2,45
